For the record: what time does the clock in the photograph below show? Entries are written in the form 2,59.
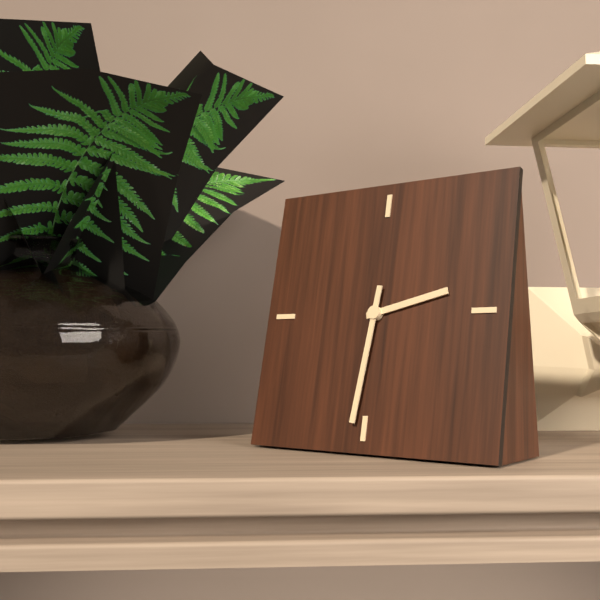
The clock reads 2,31
